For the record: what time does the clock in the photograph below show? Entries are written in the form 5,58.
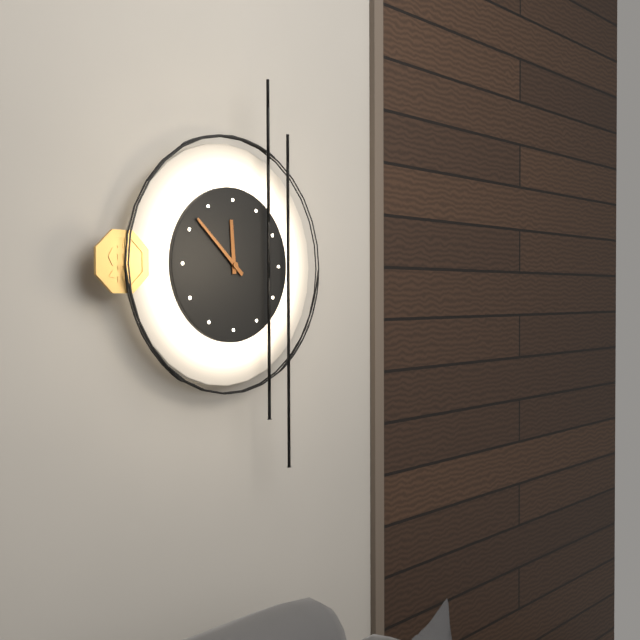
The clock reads 11,52
